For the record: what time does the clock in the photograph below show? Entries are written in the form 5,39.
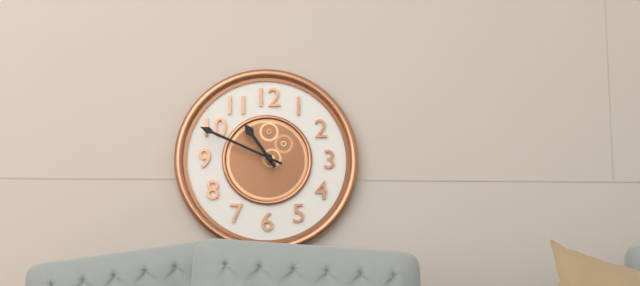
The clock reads 10,49
